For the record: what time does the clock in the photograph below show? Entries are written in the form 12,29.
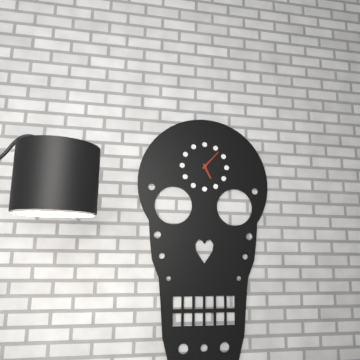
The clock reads 5,07
